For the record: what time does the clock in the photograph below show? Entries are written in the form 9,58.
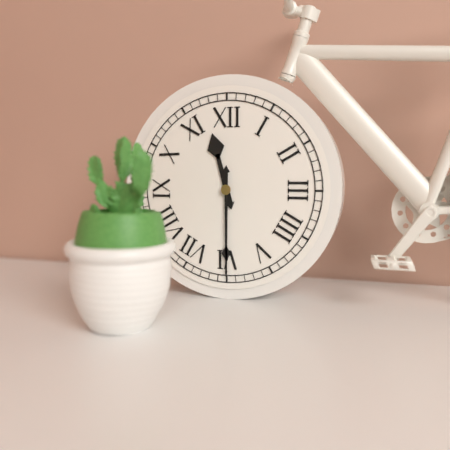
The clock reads 11,30
